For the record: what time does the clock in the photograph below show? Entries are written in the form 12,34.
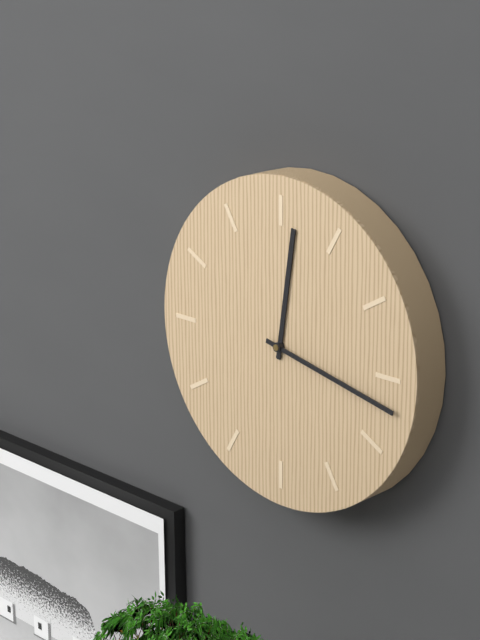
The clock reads 12,17
